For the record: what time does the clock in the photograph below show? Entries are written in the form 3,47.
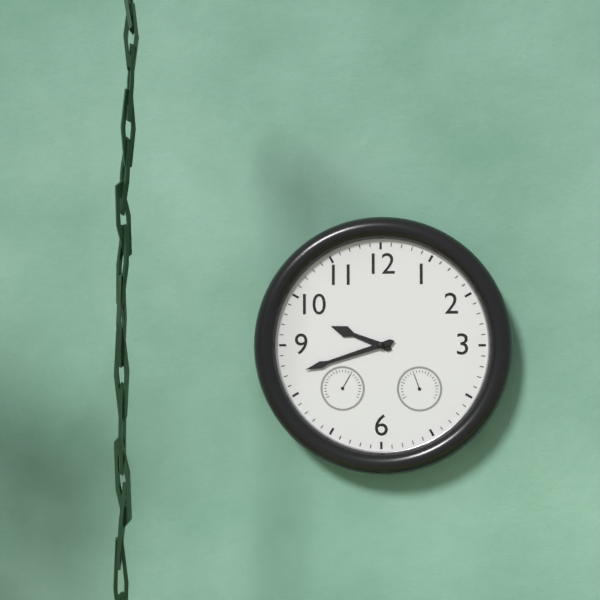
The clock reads 9,42
